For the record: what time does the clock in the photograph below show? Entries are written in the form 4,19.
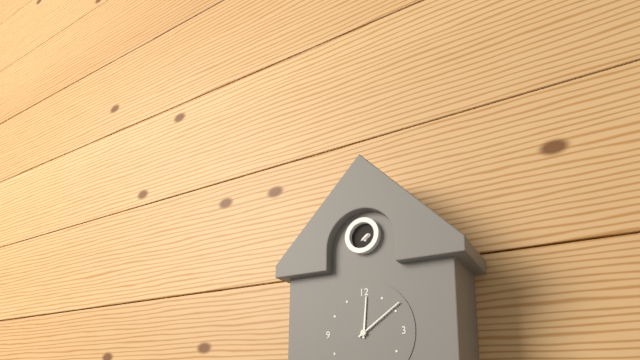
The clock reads 12,09
